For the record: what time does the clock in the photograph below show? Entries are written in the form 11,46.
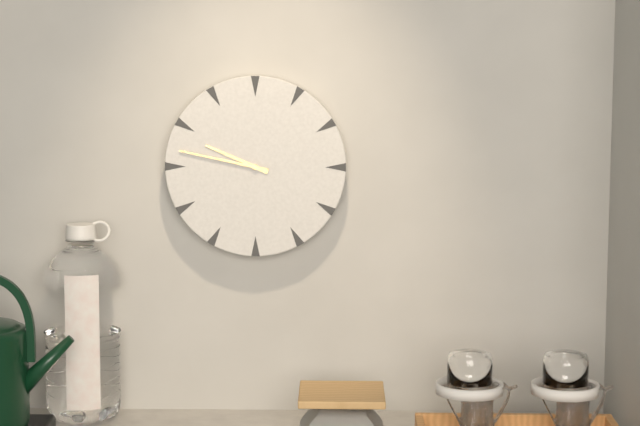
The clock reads 9,47
